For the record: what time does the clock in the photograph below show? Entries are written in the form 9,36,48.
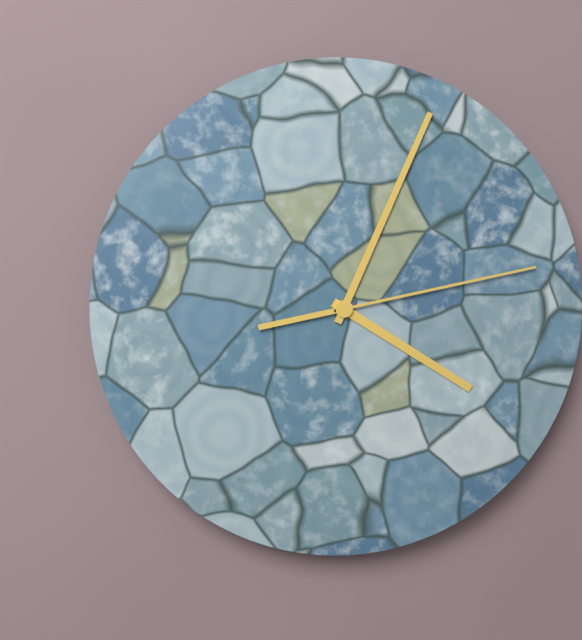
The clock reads 4,04,13
